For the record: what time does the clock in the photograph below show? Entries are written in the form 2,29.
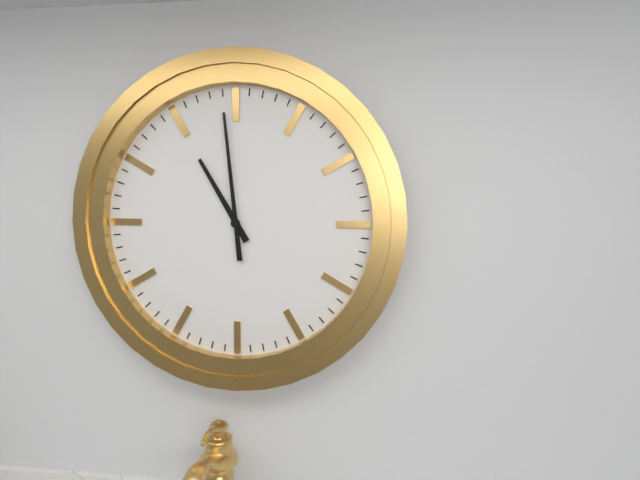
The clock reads 10,59
